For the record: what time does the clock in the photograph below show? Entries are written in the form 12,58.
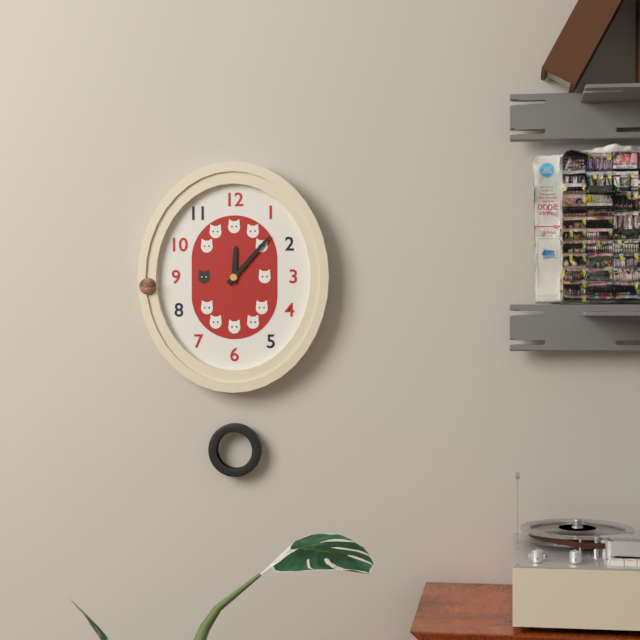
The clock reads 12,07
